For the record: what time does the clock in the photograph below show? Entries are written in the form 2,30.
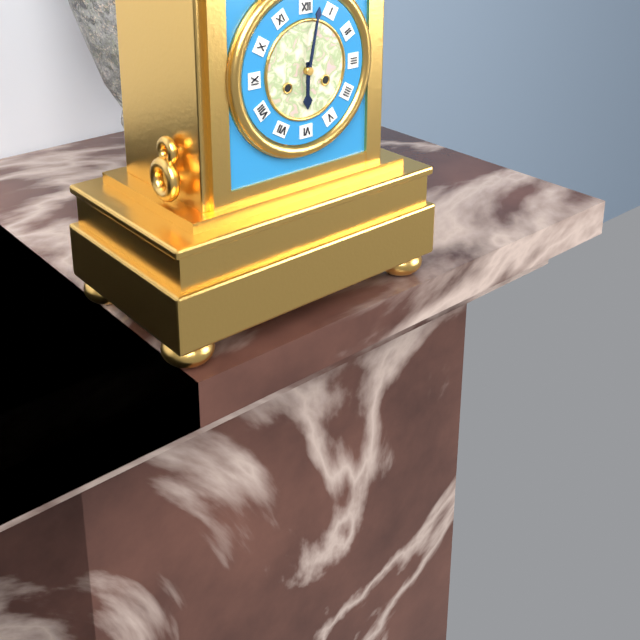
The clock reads 6,02
